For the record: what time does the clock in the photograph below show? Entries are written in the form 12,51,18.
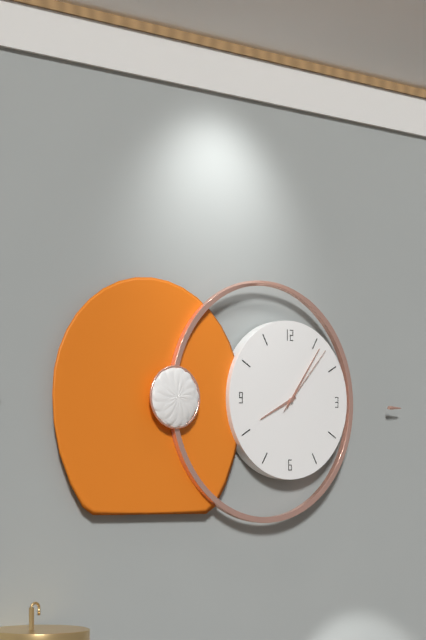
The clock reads 8,06,07
